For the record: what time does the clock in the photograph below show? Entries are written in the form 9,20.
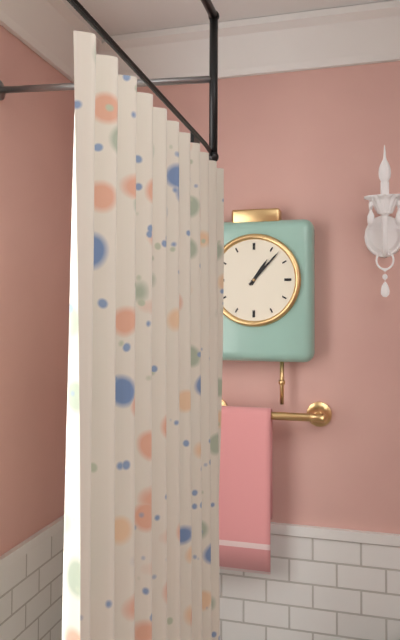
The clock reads 1,07
